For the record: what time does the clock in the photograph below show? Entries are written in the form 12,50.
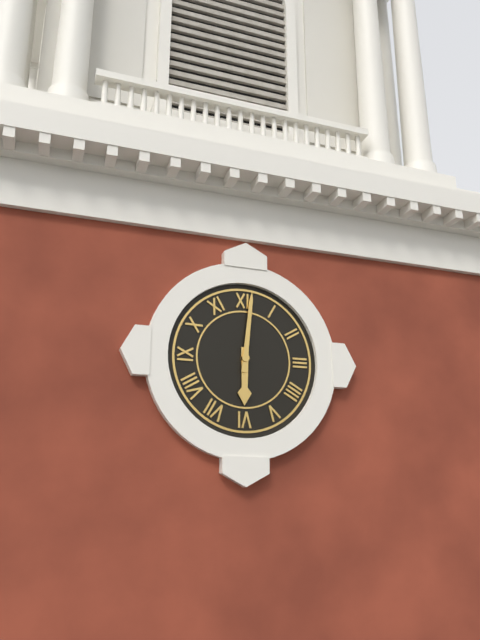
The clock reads 6,01
